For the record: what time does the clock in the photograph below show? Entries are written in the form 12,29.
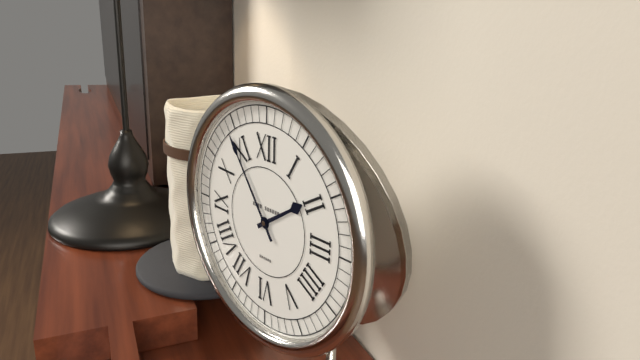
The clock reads 1,54
